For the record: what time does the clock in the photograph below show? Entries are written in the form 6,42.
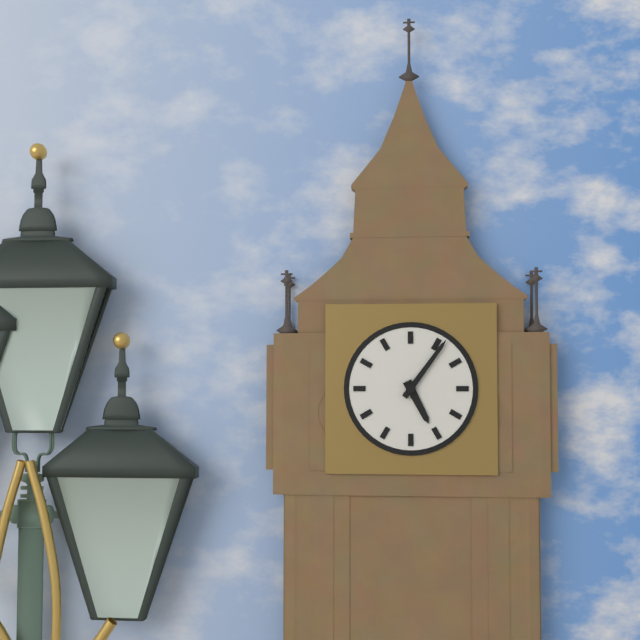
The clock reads 5,06
